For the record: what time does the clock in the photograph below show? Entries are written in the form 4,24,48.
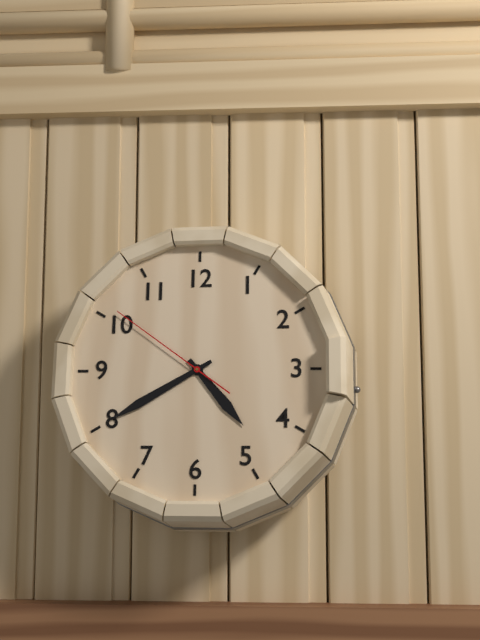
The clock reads 4,40,51
